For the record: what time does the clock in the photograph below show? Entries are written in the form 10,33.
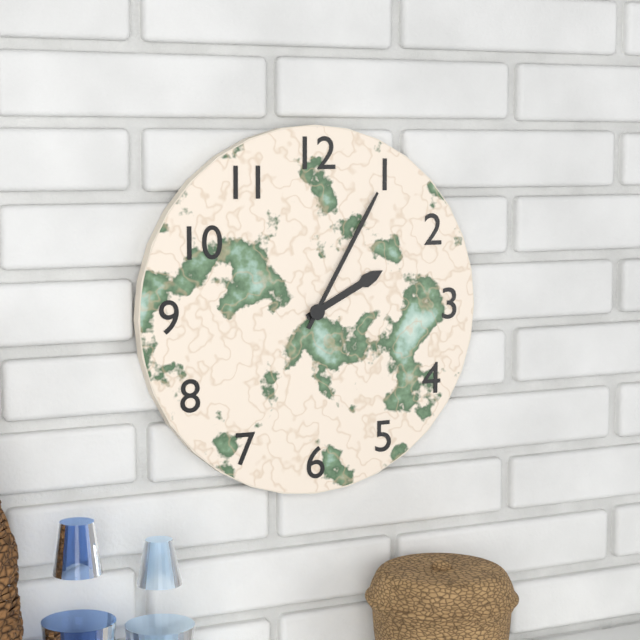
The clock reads 2,05
